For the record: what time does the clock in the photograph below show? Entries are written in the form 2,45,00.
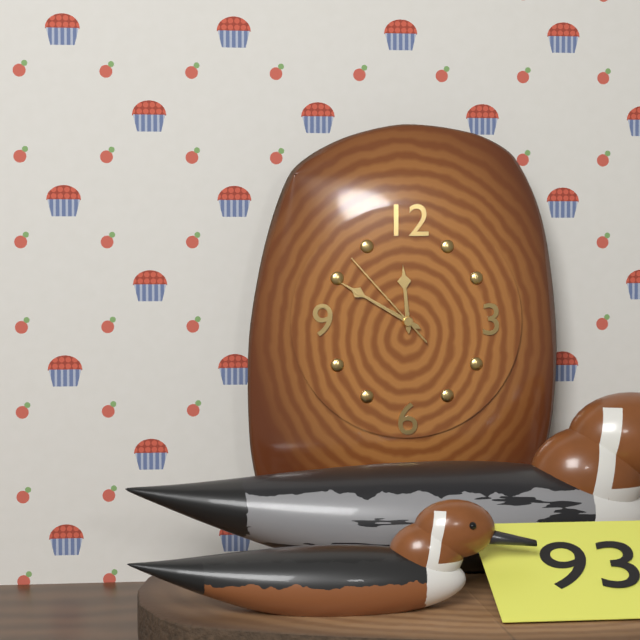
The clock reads 11,50,53
